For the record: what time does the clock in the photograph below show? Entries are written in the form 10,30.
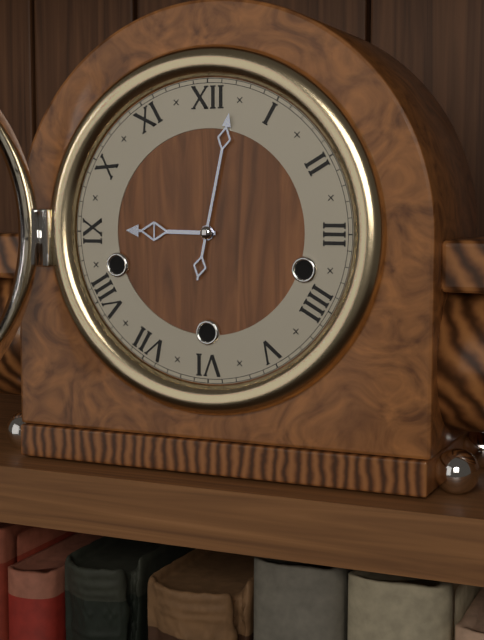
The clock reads 9,02
